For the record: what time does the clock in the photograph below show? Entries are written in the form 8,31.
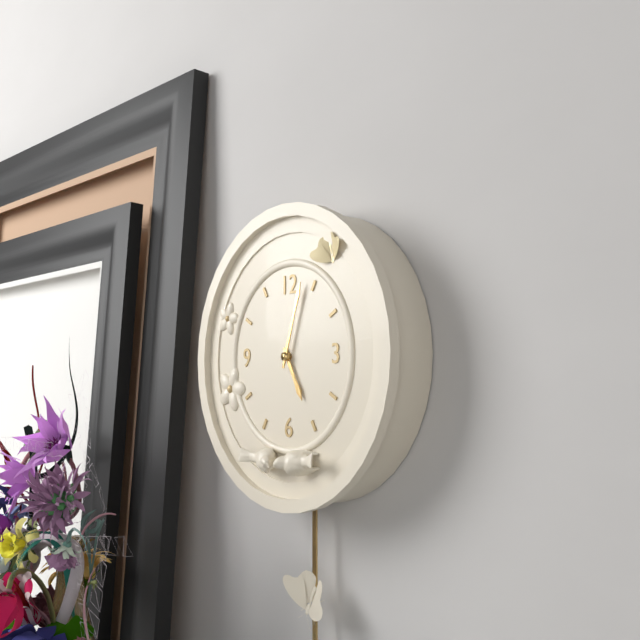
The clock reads 5,03
